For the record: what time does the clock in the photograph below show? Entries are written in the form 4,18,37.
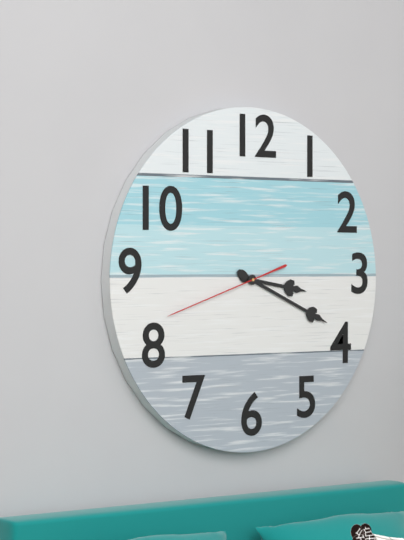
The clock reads 3,19,42
